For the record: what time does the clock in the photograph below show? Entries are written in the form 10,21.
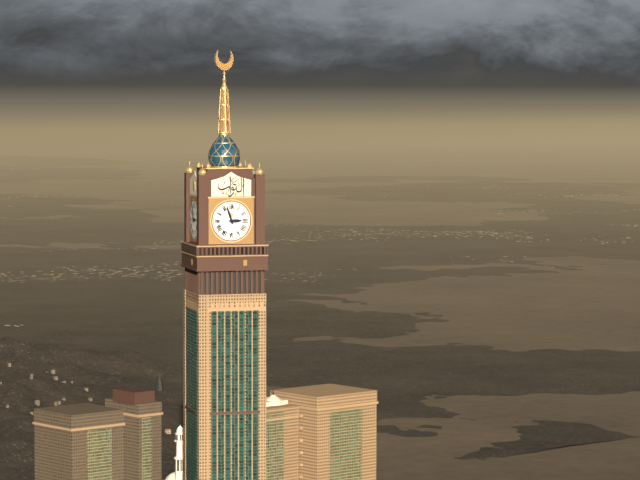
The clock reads 2,57
